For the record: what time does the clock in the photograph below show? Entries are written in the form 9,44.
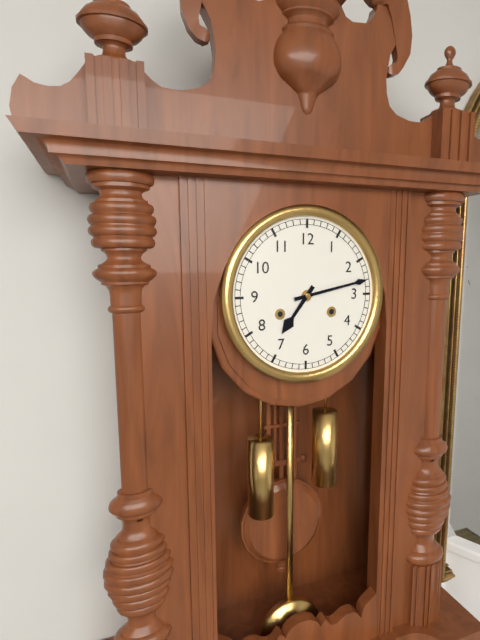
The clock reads 7,13
